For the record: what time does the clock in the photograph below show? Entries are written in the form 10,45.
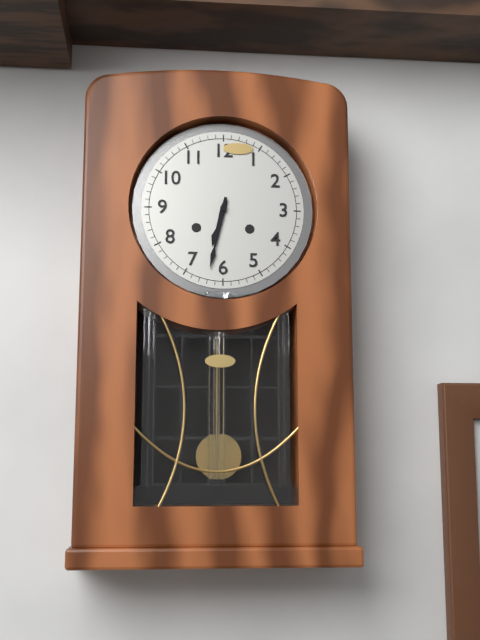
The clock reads 6,32
